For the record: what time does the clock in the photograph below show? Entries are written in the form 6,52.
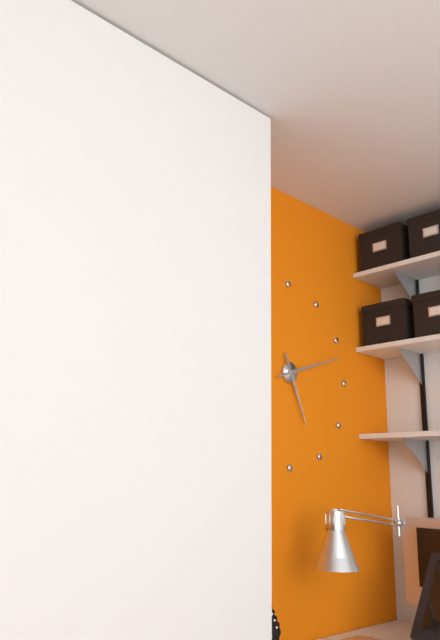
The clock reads 5,12
